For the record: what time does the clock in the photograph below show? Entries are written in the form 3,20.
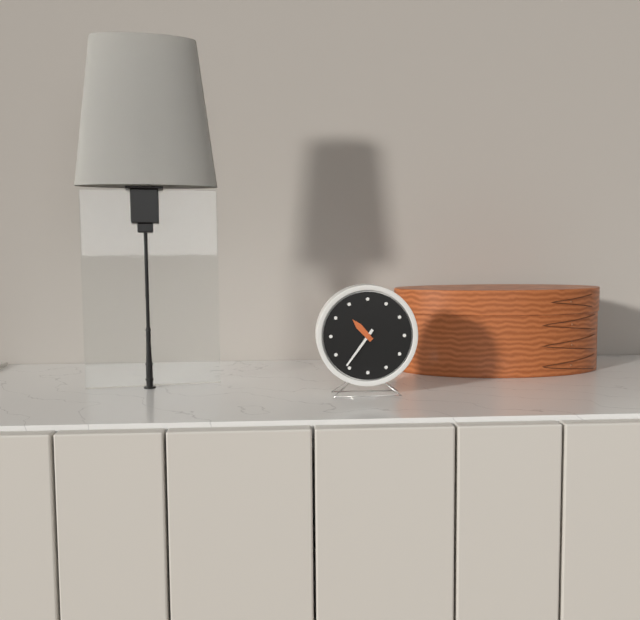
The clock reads 10,36
